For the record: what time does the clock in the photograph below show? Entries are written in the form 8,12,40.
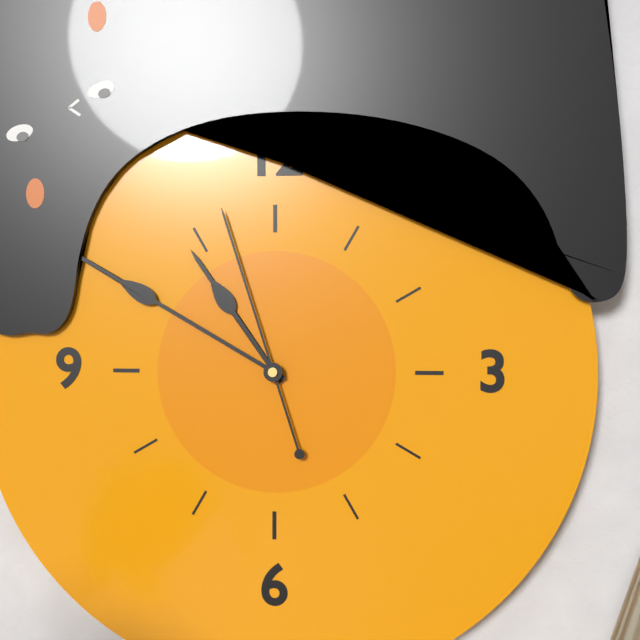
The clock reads 10,50,57
